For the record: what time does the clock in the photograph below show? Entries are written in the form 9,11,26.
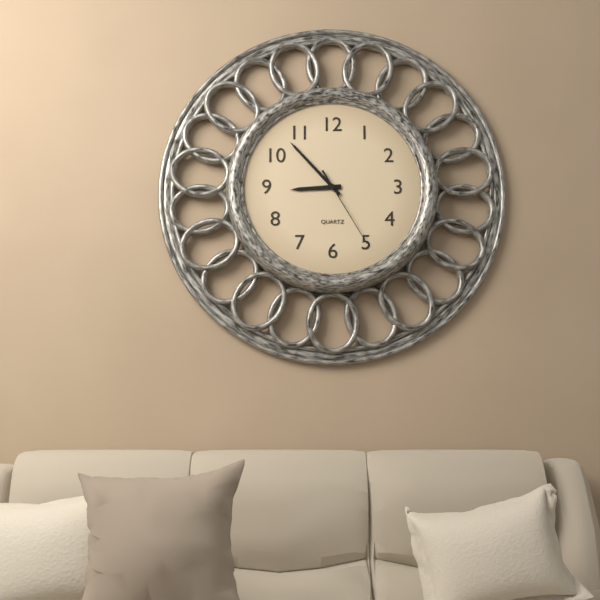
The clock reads 8,53,25
